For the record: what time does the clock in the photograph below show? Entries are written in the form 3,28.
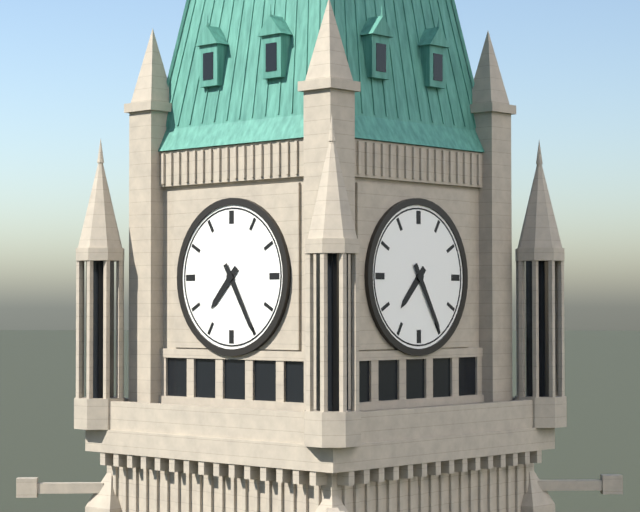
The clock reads 7,25
